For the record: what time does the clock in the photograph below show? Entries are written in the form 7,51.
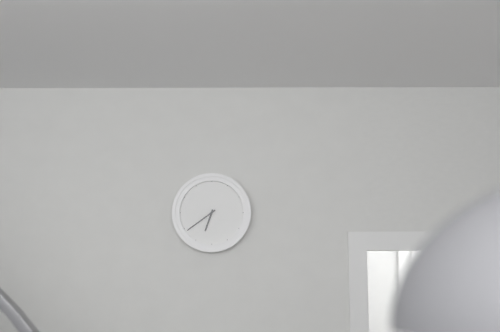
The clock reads 6,39
